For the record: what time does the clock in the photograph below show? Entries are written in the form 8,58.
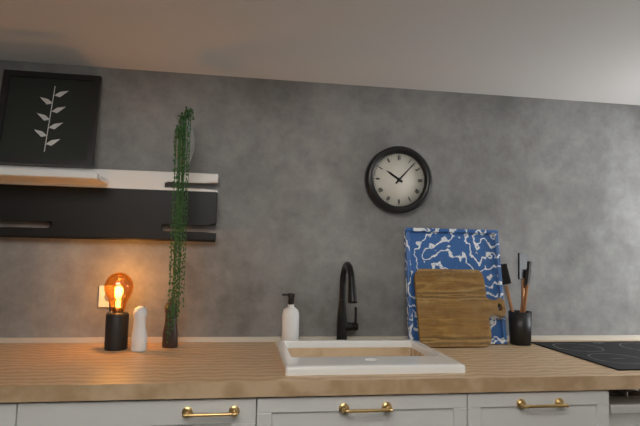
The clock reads 10,07
